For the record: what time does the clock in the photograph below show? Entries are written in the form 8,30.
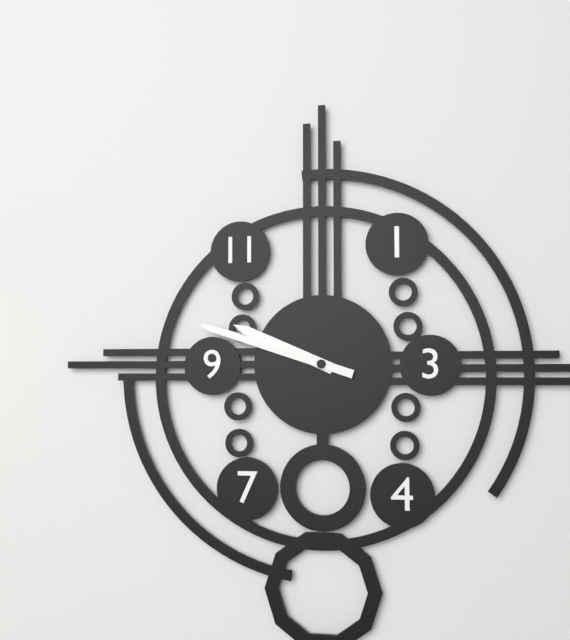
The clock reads 9,48
